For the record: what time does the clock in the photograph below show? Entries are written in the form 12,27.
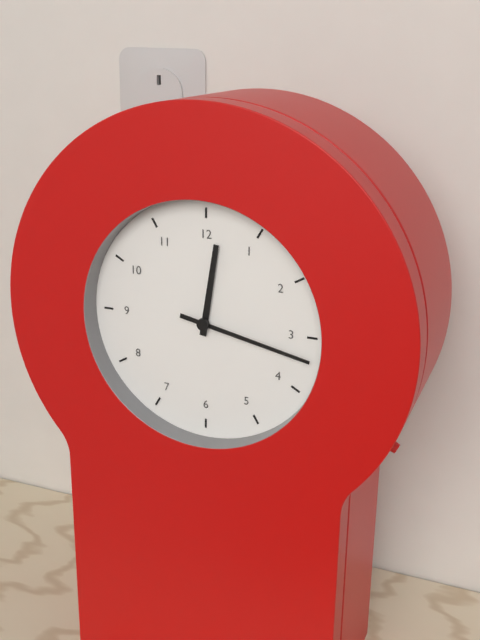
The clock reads 12,17
